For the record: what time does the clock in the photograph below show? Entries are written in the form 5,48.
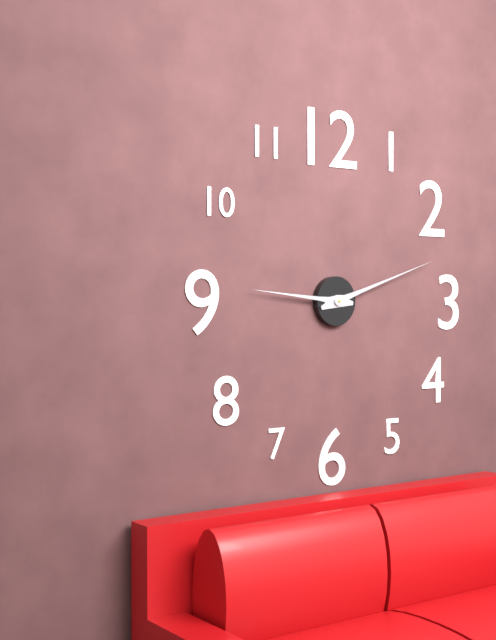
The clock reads 9,12
